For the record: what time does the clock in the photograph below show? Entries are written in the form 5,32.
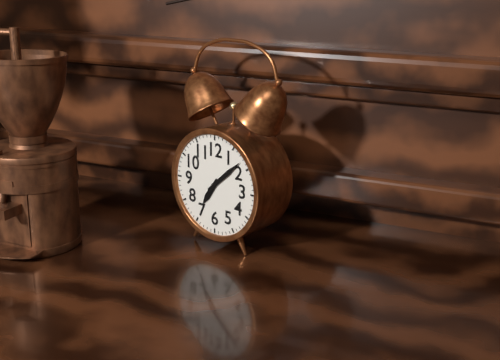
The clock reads 7,08
